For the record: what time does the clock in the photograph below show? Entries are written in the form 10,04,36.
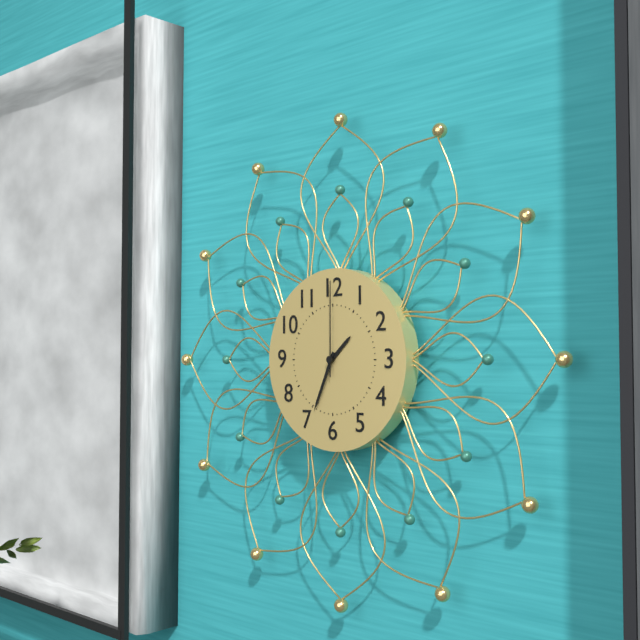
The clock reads 1,34,00
